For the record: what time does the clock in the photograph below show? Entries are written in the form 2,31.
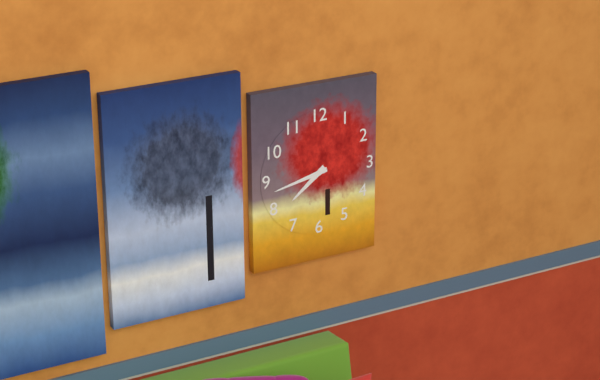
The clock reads 7,43
